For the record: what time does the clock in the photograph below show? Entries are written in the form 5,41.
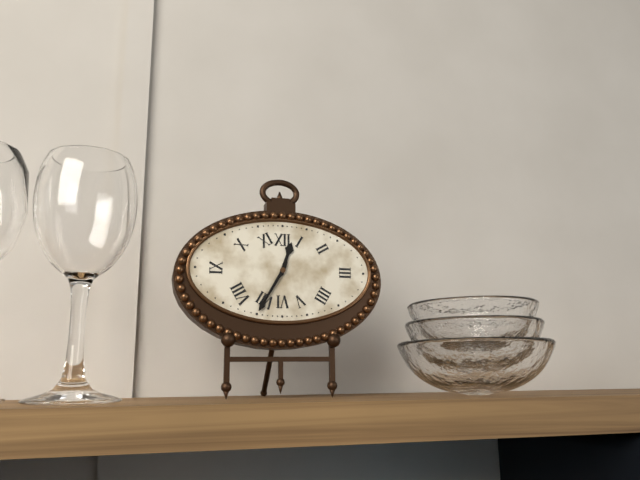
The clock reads 12,35
